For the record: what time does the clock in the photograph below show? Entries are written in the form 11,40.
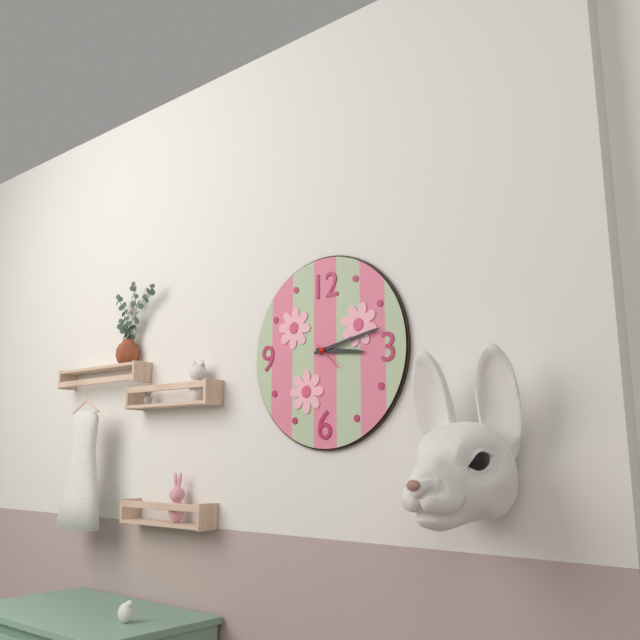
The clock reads 3,13
